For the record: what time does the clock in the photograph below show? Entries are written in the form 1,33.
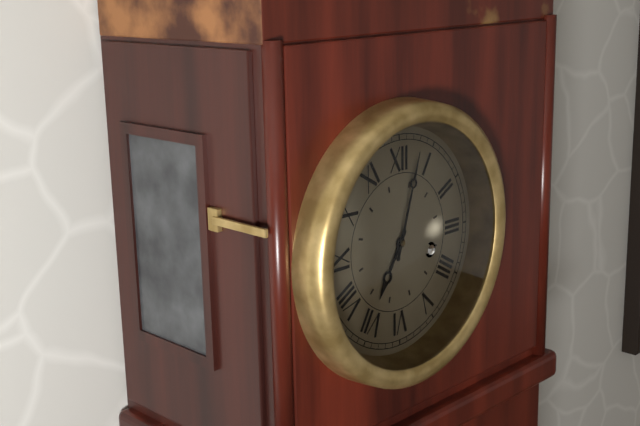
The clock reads 7,03
